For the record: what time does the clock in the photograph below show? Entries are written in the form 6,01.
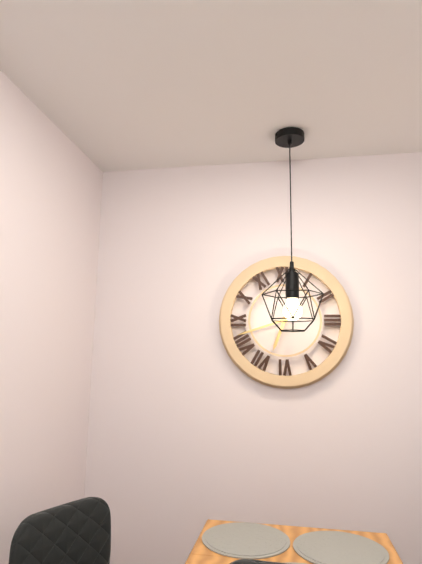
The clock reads 6,42
